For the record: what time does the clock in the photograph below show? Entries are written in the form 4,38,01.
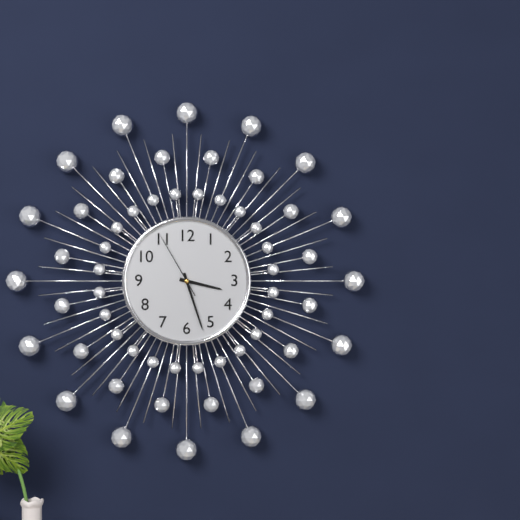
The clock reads 3,27,55
